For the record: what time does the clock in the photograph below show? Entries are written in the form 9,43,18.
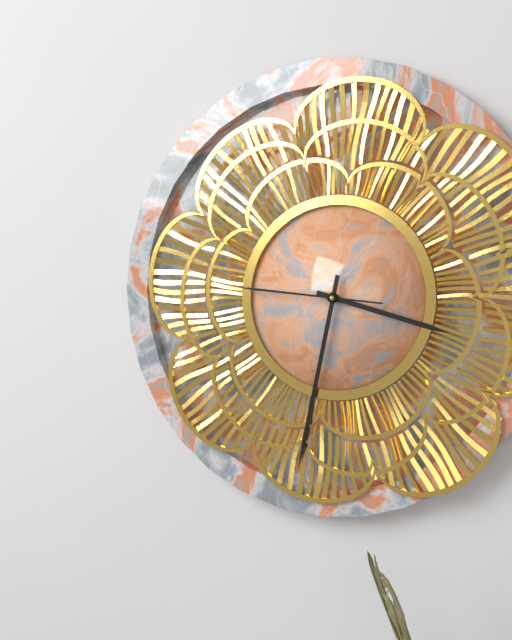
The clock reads 3,32,46
